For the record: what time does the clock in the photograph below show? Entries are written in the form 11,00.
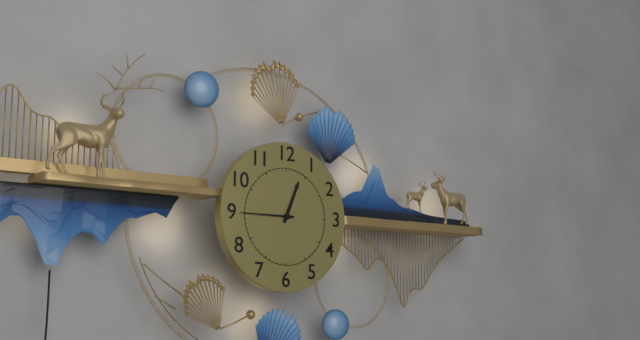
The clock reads 12,45
